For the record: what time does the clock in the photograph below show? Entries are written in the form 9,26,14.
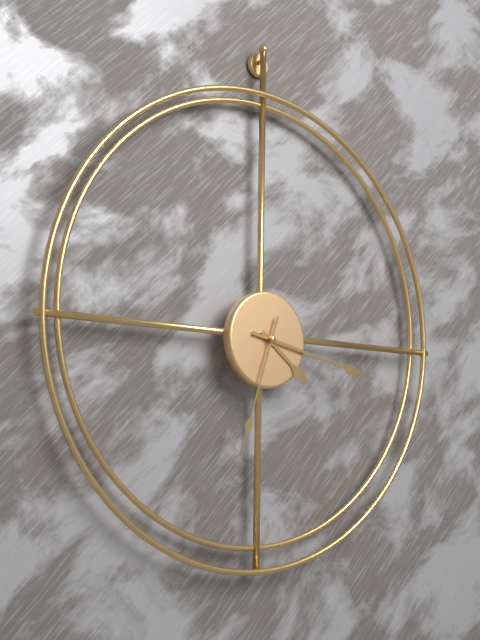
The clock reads 4,17,33
